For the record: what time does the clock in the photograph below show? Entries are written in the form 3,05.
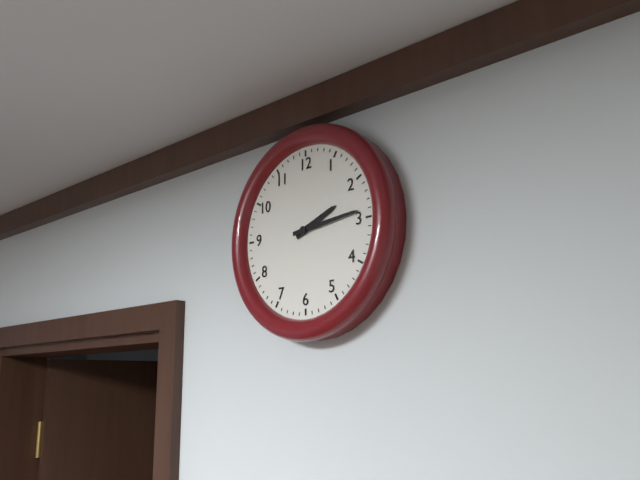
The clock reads 2,14
